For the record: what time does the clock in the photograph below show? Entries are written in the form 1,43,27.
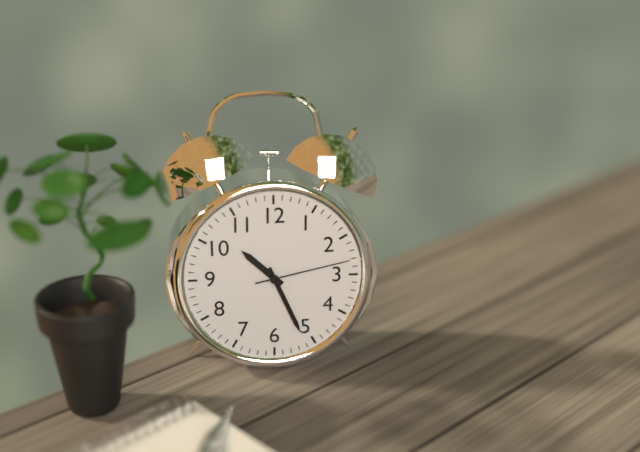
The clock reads 10,26,13
